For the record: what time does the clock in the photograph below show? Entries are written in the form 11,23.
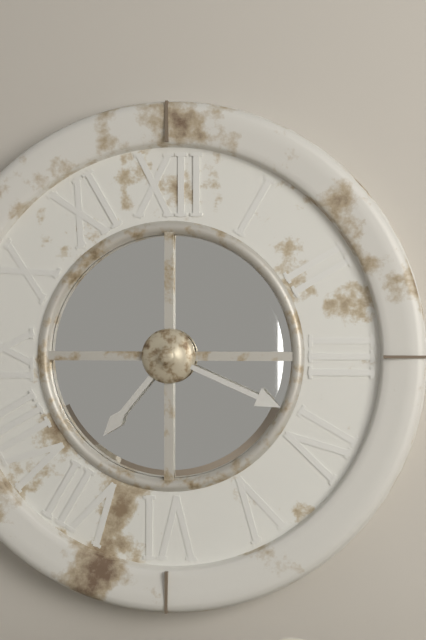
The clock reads 7,19
